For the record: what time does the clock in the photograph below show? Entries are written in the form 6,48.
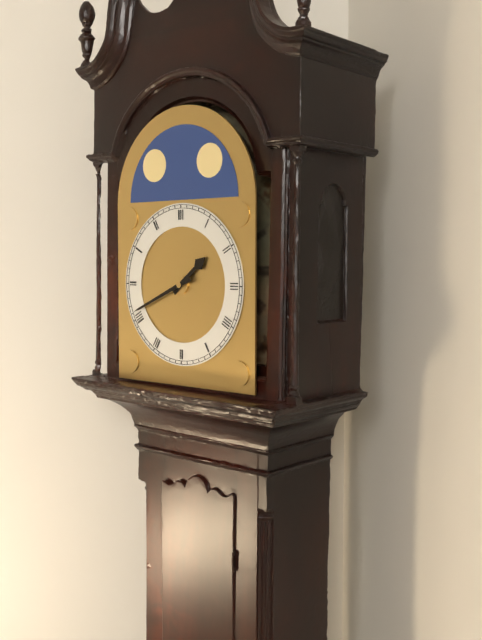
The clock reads 1,41
